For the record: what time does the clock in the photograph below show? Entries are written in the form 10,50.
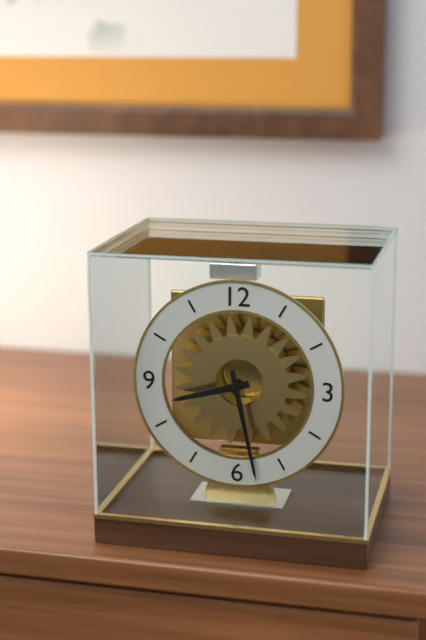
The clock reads 8,28
